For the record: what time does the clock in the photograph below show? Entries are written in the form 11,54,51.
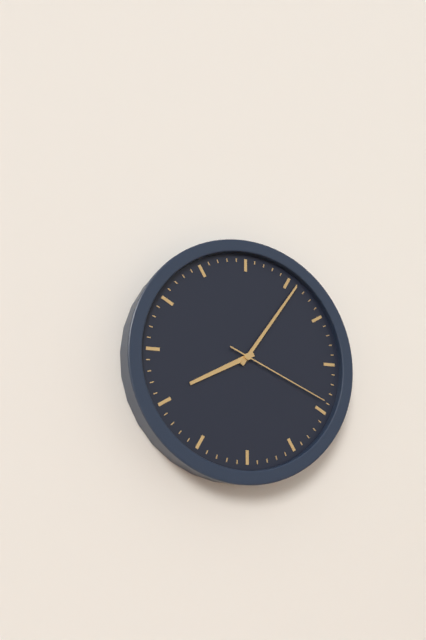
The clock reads 8,06,19
